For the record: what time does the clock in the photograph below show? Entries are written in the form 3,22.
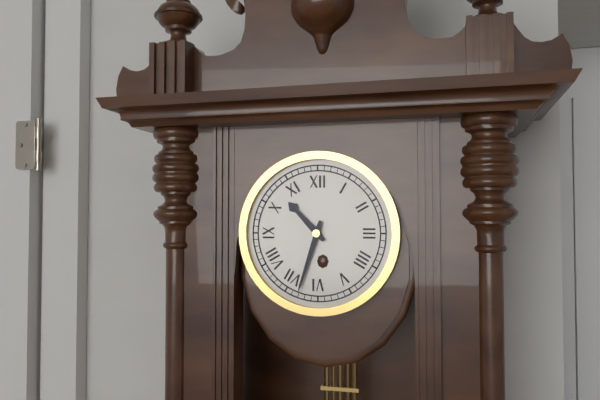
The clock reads 10,33
